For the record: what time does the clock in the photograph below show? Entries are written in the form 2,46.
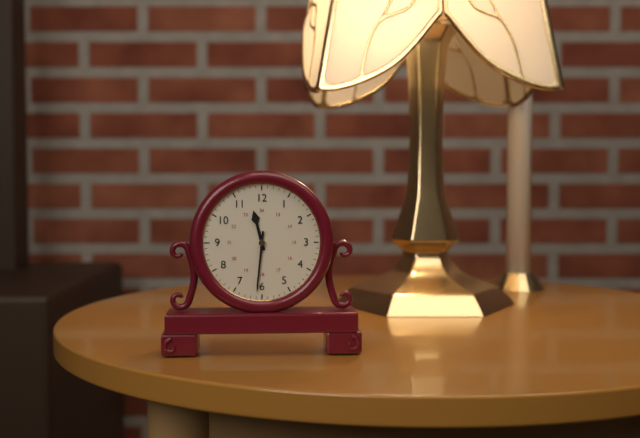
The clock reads 11,31
